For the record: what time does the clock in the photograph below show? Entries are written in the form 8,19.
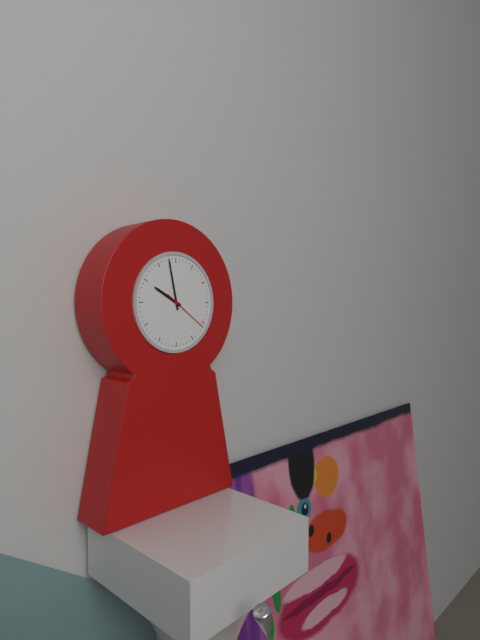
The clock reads 9,58
